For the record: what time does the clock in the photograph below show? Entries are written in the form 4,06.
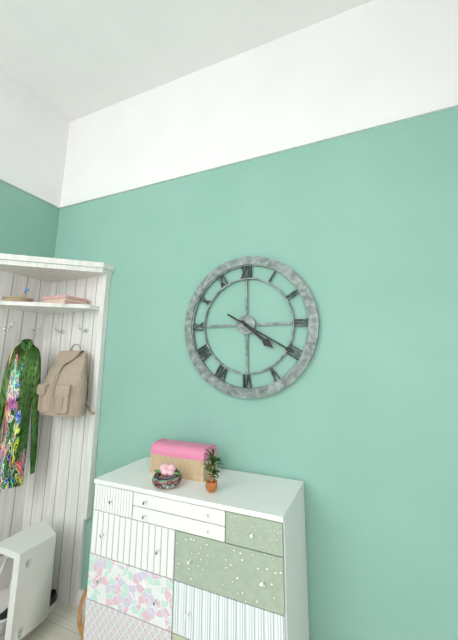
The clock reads 4,20
